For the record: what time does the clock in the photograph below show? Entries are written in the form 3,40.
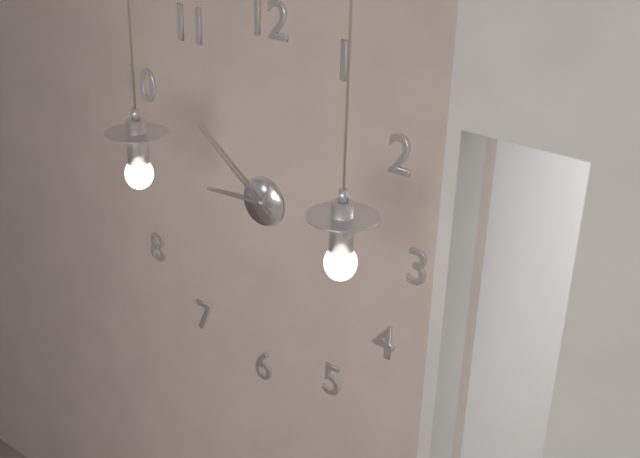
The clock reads 8,51
